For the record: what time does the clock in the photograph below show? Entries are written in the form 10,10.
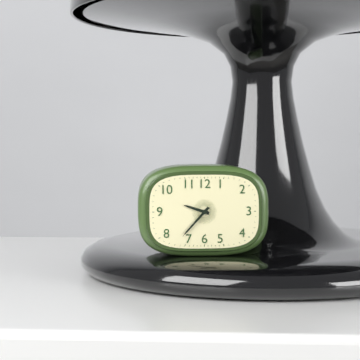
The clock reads 9,37
